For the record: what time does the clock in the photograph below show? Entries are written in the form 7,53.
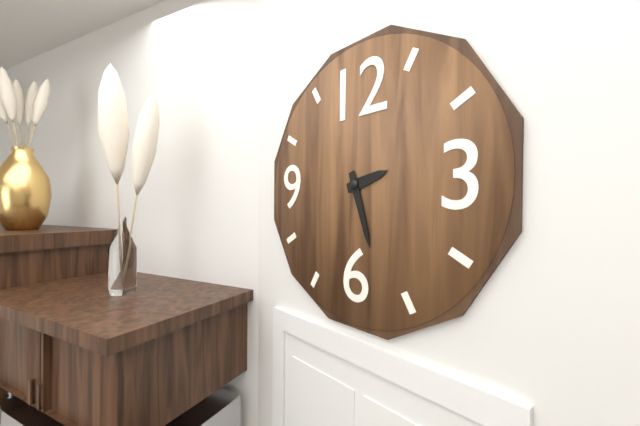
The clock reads 2,27
